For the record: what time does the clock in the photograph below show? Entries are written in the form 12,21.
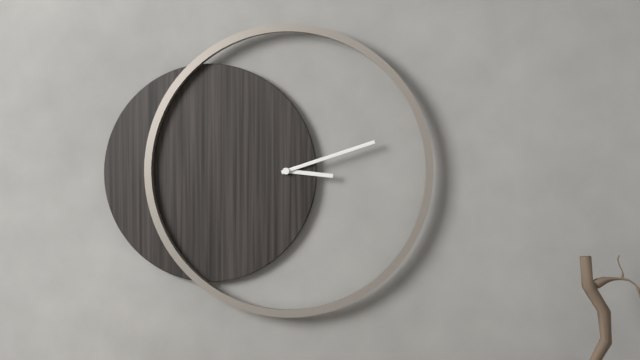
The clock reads 3,12
